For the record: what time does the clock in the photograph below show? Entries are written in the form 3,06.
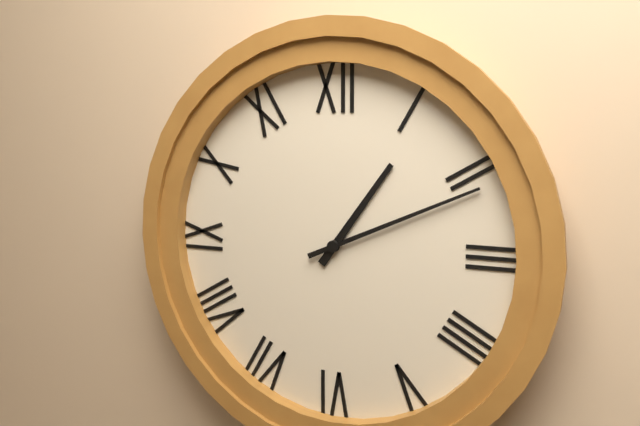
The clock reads 1,11
